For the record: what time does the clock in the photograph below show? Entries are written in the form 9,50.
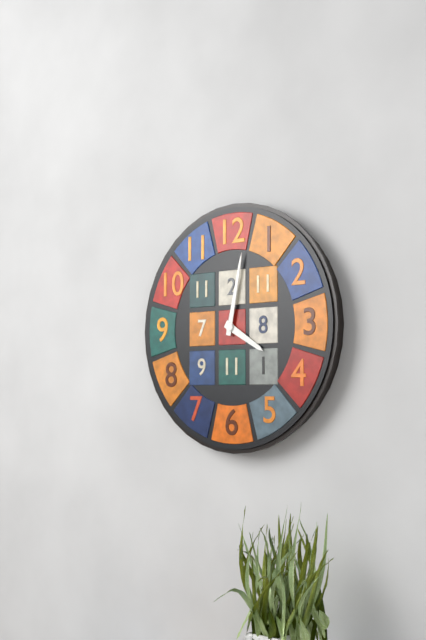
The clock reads 4,02
